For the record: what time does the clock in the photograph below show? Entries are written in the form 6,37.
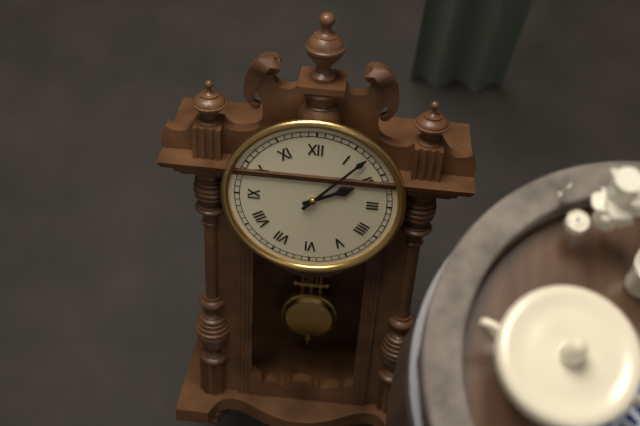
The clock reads 2,07
